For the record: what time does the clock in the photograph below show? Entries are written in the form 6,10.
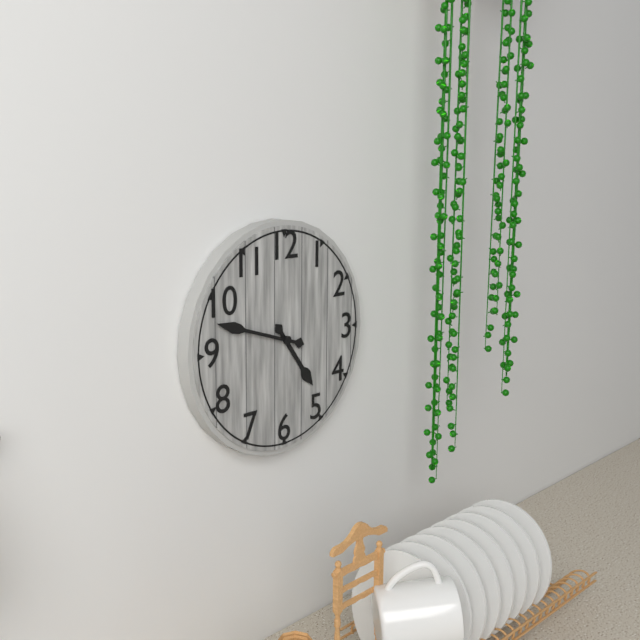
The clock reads 4,48
